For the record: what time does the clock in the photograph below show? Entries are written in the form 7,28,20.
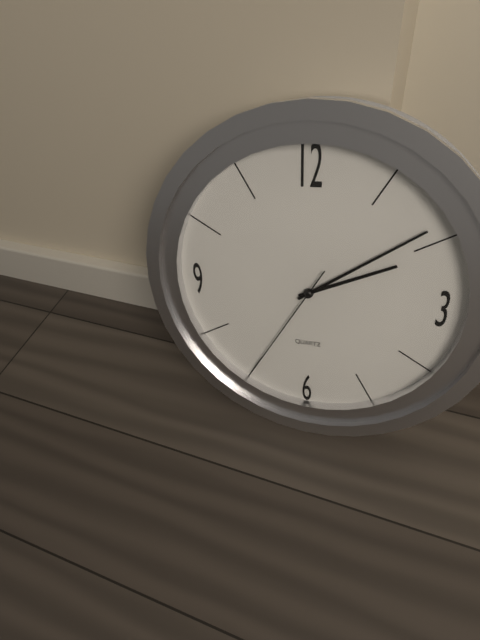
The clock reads 2,09,35
